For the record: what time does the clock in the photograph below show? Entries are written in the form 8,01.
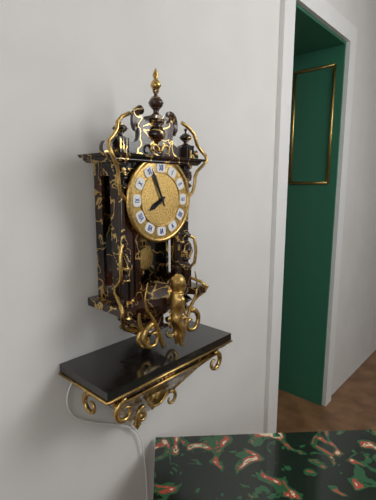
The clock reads 7,56
